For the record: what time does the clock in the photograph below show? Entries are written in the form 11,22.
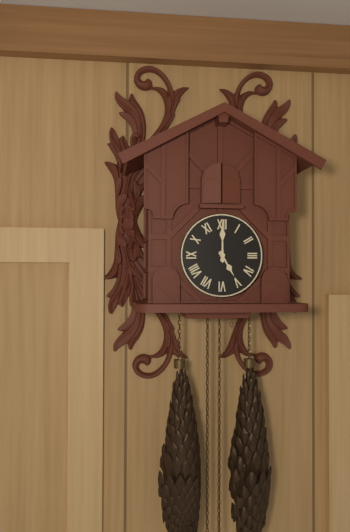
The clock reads 5,00
